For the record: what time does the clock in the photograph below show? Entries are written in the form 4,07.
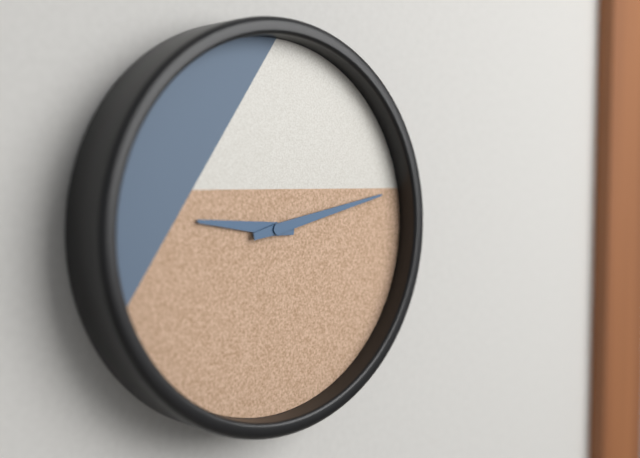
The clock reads 9,13
